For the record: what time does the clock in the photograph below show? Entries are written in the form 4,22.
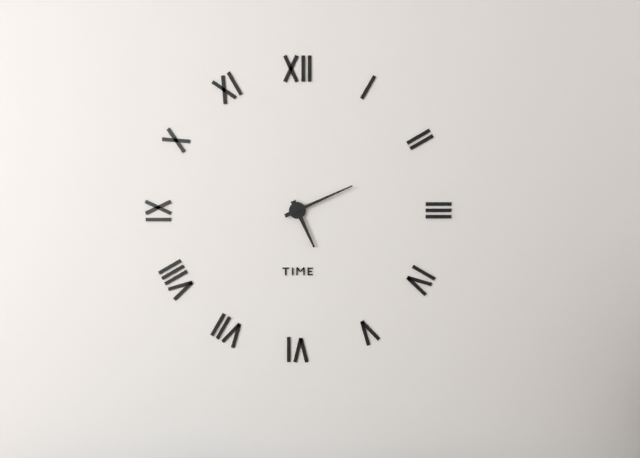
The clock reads 5,11
